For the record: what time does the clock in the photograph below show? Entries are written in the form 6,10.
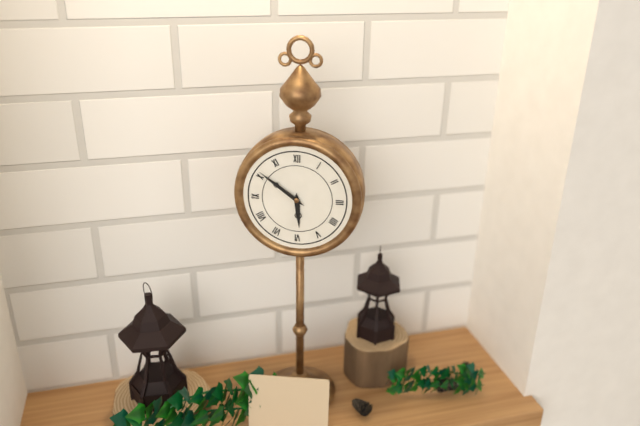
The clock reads 5,51
